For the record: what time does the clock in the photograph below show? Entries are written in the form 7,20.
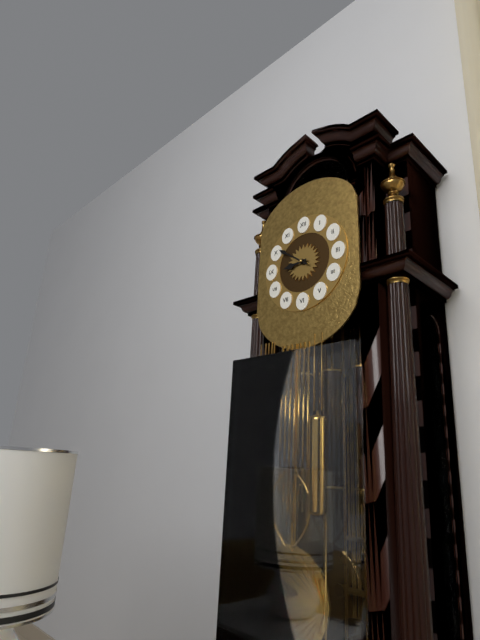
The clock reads 8,51
